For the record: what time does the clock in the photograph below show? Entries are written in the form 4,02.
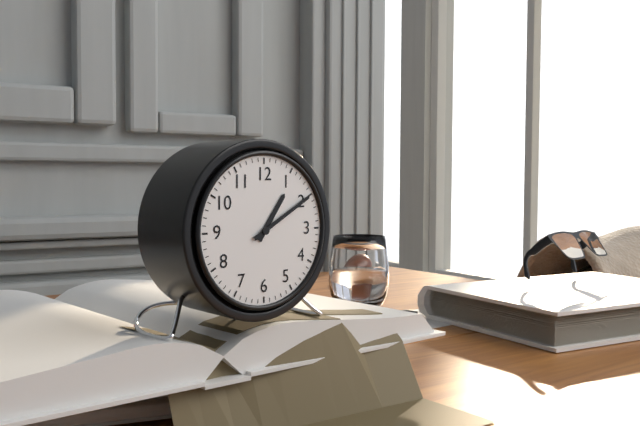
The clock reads 1,10
